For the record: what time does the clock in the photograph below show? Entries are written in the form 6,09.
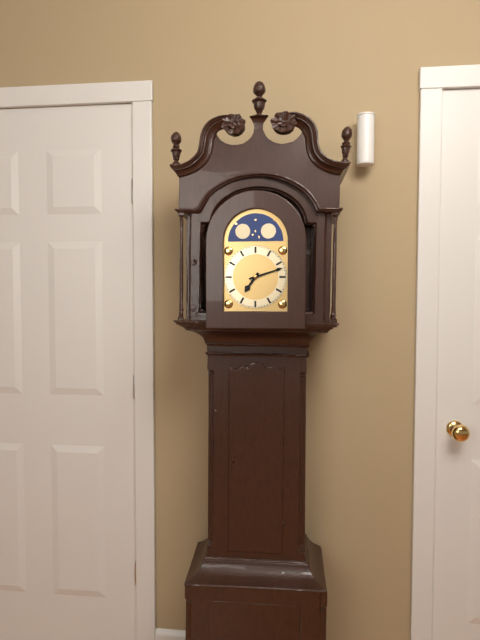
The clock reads 7,12
